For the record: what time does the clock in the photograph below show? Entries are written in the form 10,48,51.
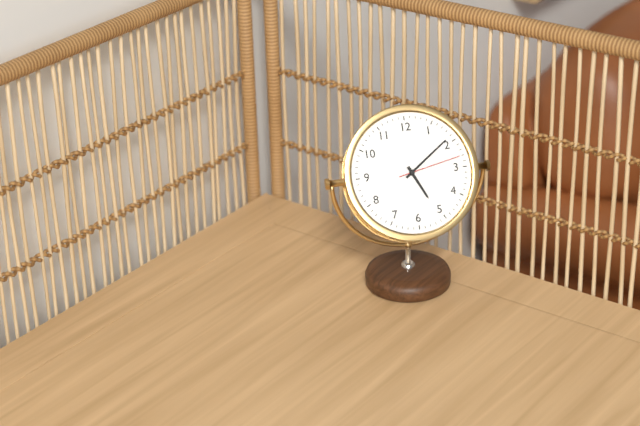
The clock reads 5,09,13
